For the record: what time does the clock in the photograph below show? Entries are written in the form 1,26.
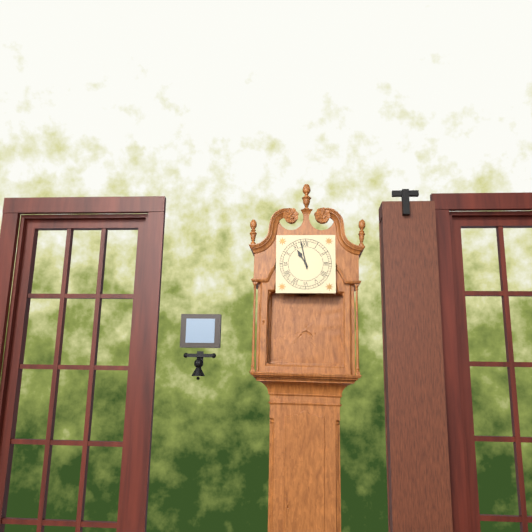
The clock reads 10,58
